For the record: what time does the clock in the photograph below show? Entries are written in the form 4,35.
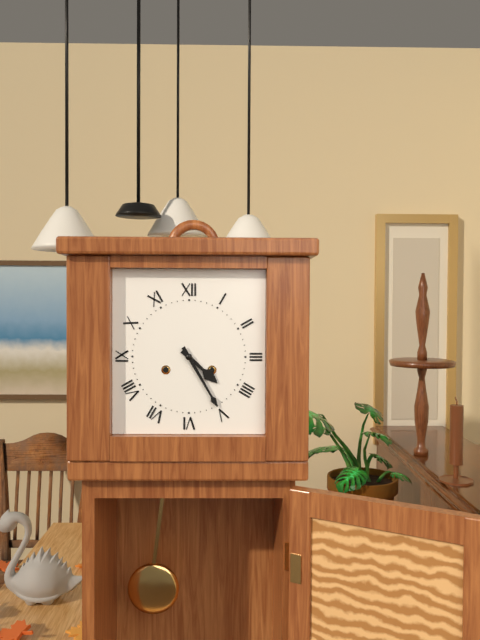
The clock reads 4,25
